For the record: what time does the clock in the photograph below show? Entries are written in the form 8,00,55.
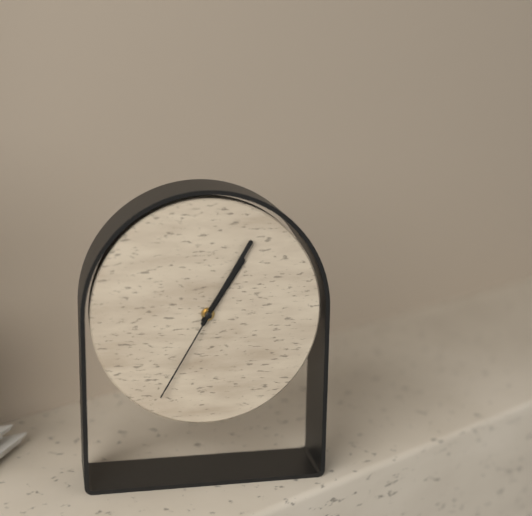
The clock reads 1,05,35
